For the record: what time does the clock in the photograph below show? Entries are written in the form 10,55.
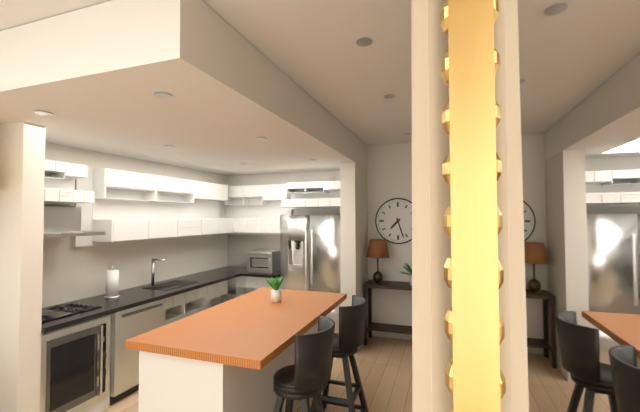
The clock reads 7,27
